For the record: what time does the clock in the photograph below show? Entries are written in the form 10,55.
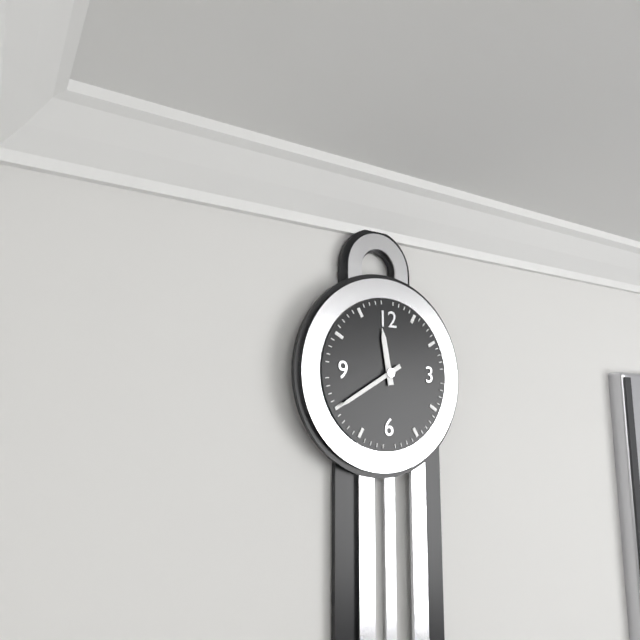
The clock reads 11,40
